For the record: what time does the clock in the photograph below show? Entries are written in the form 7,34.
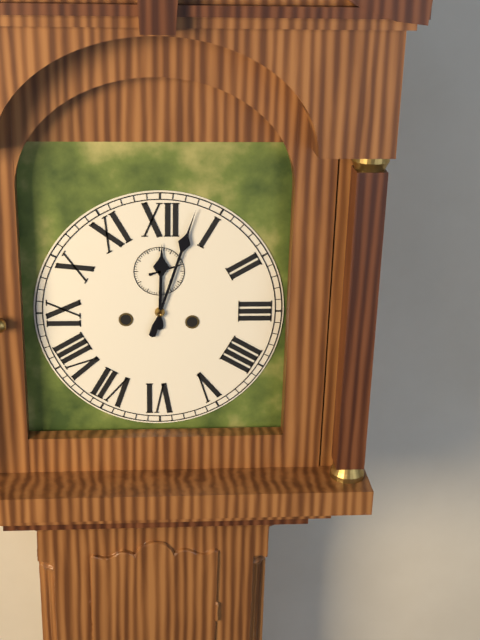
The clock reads 12,03
